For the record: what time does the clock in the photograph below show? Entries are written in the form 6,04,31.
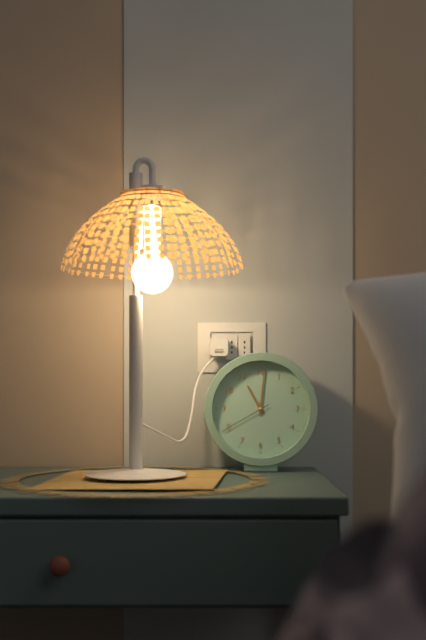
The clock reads 11,01,40
